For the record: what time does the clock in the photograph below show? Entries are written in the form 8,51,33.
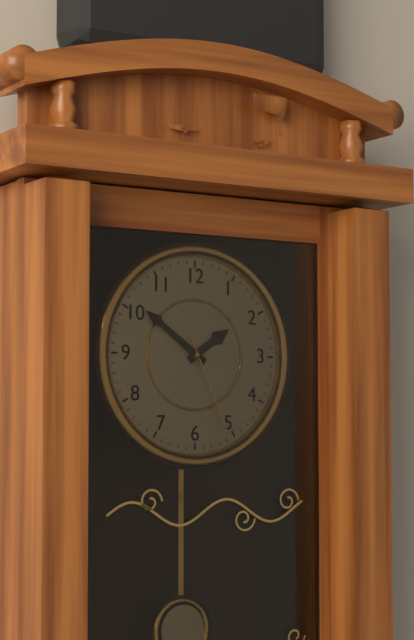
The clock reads 1,51,26
